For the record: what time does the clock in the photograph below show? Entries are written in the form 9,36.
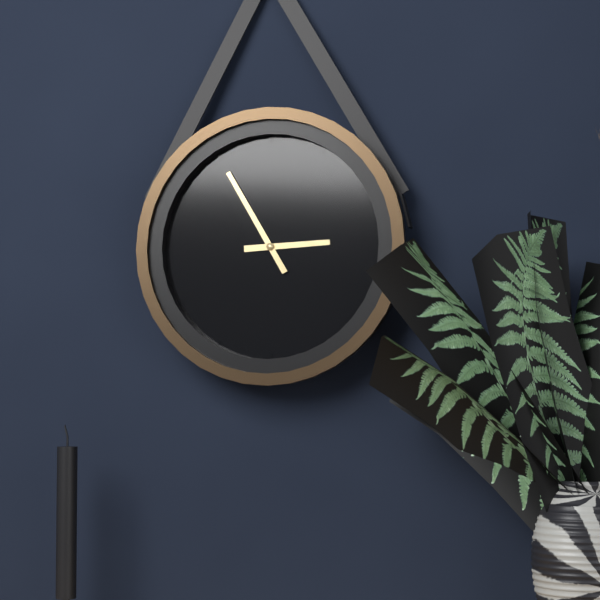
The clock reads 2,55
